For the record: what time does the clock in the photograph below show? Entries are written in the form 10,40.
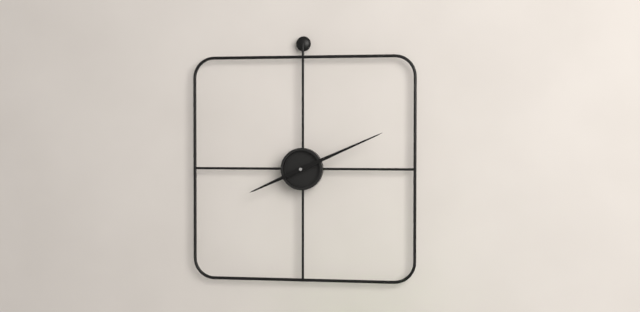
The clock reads 8,11
